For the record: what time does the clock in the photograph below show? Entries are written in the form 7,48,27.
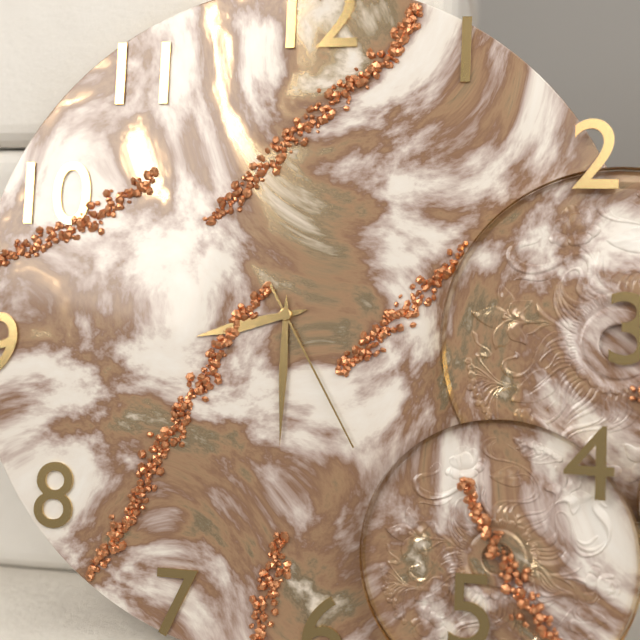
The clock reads 8,30,25
